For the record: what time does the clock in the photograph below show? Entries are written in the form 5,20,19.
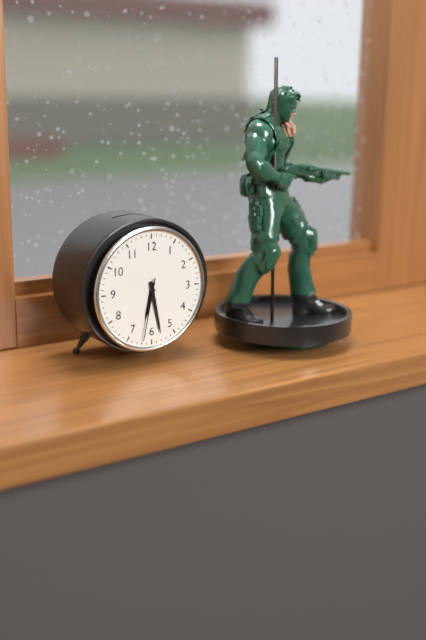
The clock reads 6,28,32
